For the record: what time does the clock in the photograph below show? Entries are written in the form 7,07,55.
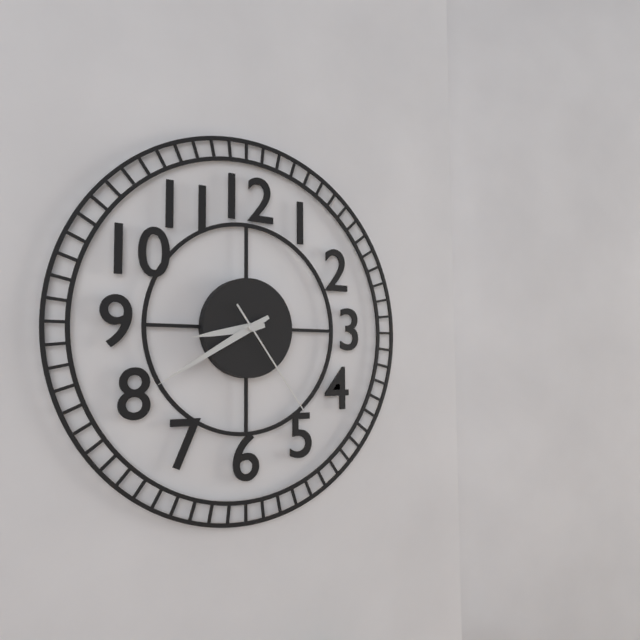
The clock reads 8,40,24
